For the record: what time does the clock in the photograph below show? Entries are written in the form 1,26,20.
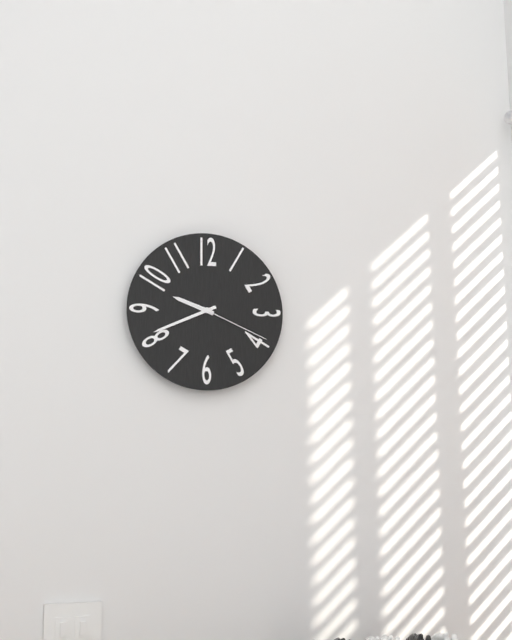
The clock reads 9,41,19
